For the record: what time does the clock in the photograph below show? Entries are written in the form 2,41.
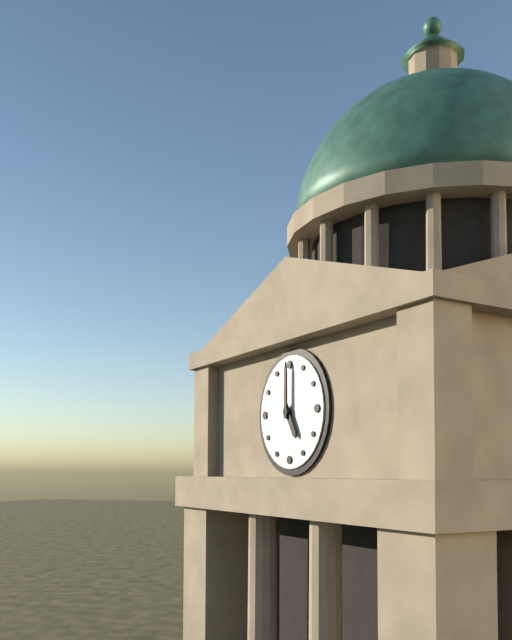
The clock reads 5,00
